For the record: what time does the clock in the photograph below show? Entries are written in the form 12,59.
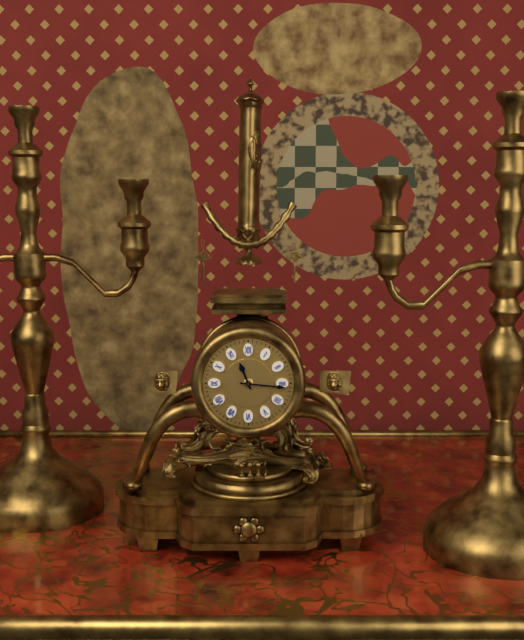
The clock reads 11,16
